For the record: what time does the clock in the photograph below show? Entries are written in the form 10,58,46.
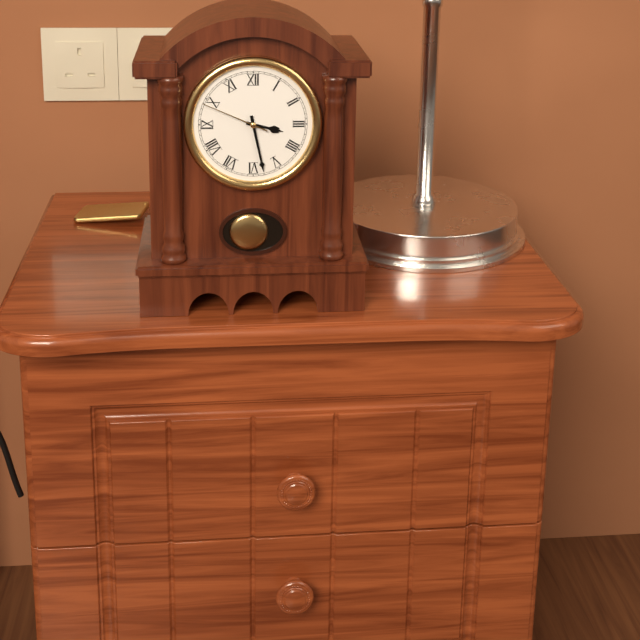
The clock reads 3,28,49
